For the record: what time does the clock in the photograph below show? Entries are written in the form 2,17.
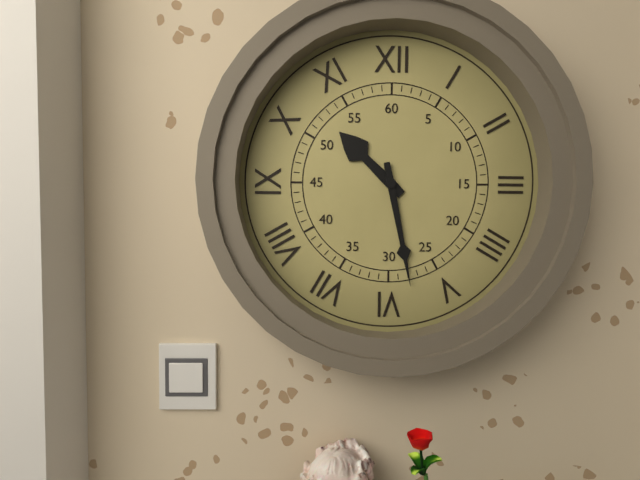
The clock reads 10,28
